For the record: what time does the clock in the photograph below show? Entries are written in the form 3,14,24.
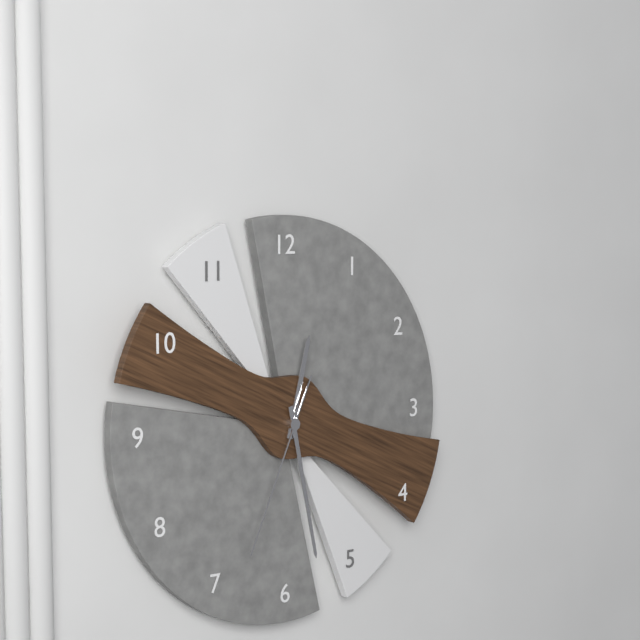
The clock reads 12,28,34
